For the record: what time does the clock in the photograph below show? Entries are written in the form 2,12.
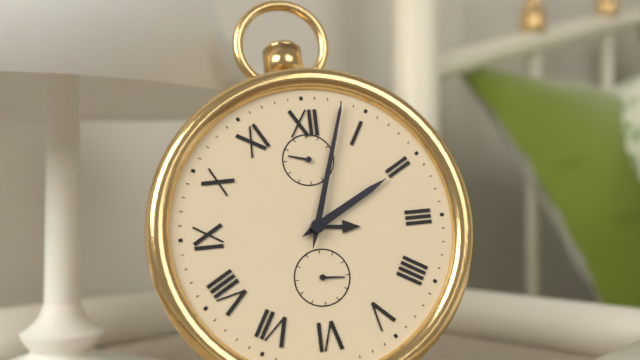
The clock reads 2,03
